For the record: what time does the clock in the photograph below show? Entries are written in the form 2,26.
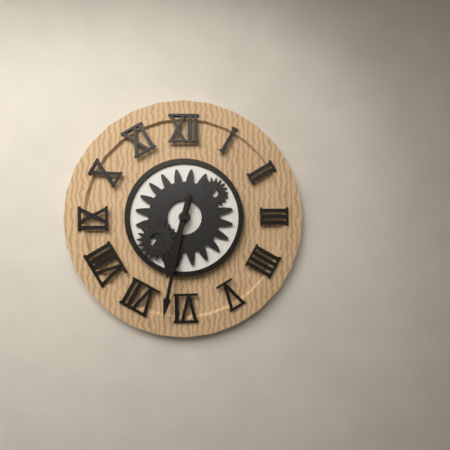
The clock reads 6,32
